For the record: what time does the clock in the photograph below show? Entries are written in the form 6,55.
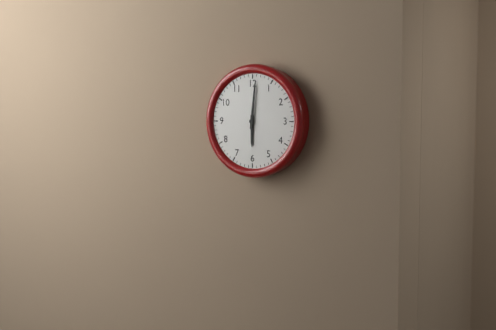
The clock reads 6,01
